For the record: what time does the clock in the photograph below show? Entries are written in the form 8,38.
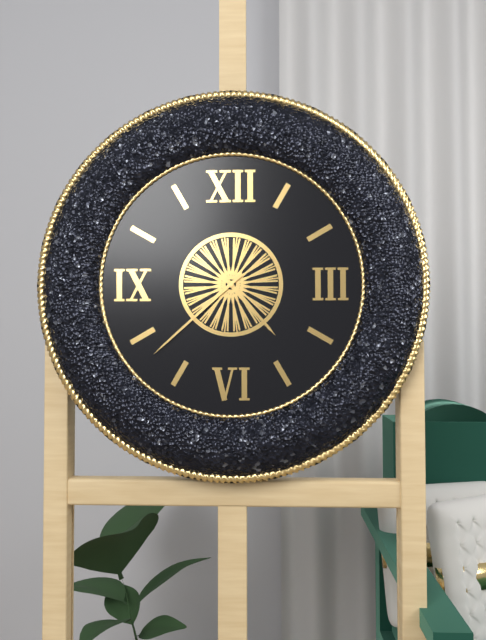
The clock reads 4,38
